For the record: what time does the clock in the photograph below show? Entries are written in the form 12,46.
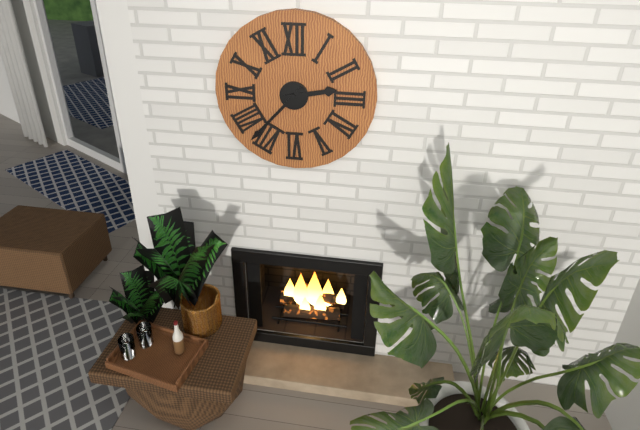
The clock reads 2,37
